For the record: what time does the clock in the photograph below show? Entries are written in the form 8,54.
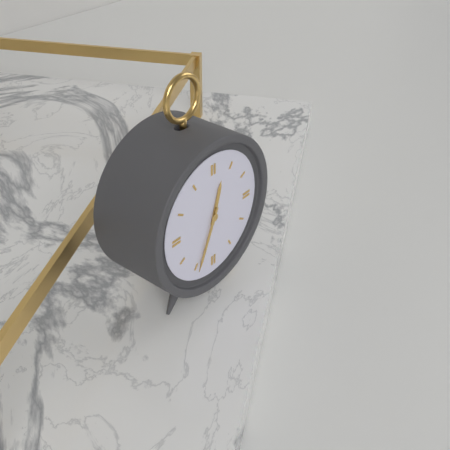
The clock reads 12,34
